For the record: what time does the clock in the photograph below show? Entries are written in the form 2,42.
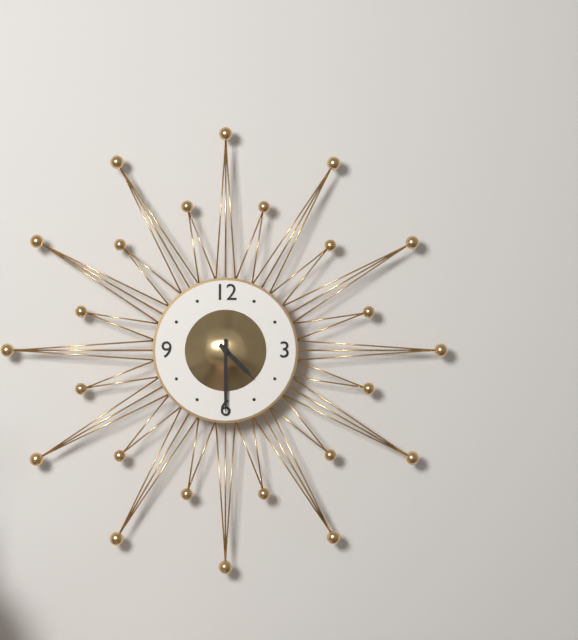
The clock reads 4,30
